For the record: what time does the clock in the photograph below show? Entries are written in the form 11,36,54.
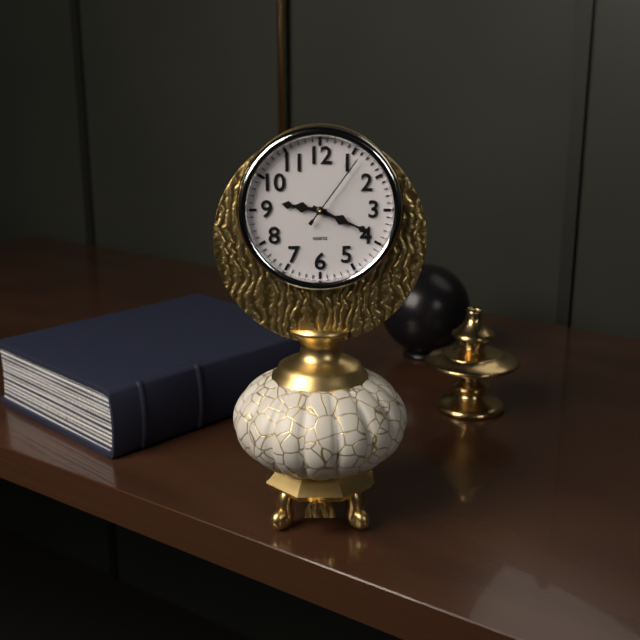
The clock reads 9,19,06
